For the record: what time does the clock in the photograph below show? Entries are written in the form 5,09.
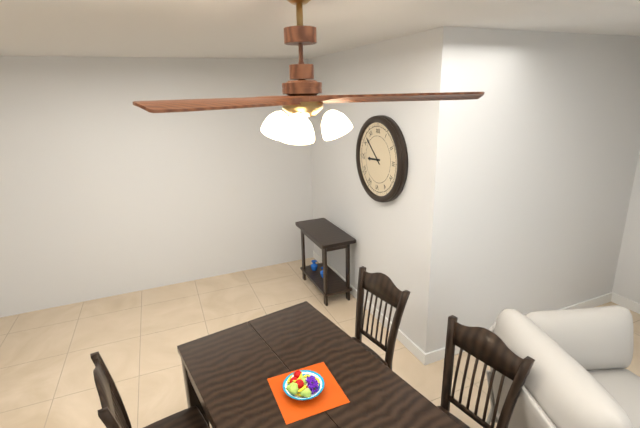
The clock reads 8,52
